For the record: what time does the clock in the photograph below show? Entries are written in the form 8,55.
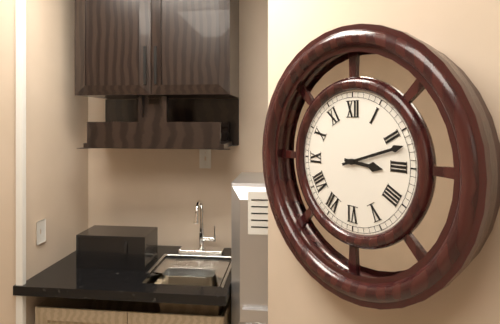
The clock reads 3,12
